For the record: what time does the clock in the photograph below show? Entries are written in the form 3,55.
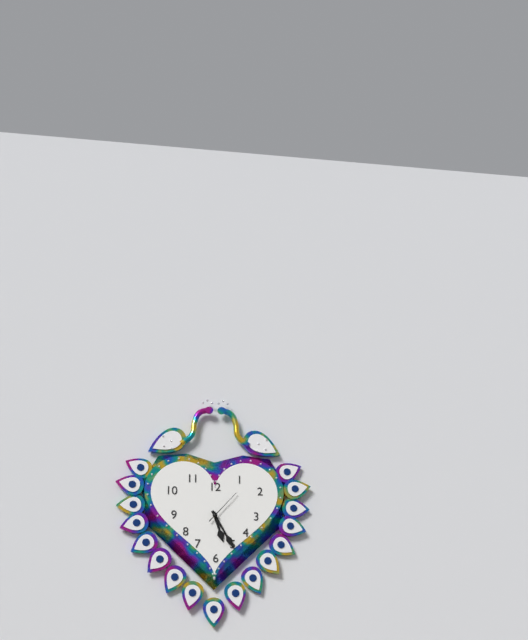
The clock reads 5,25
